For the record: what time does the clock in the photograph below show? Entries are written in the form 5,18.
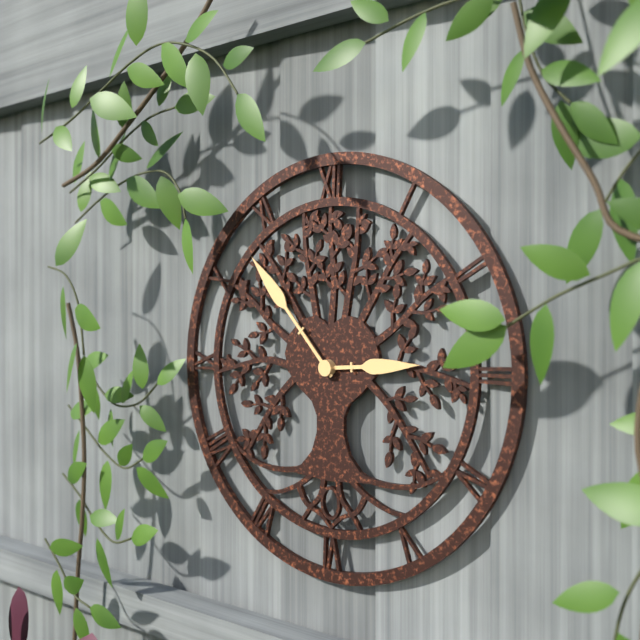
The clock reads 2,53
